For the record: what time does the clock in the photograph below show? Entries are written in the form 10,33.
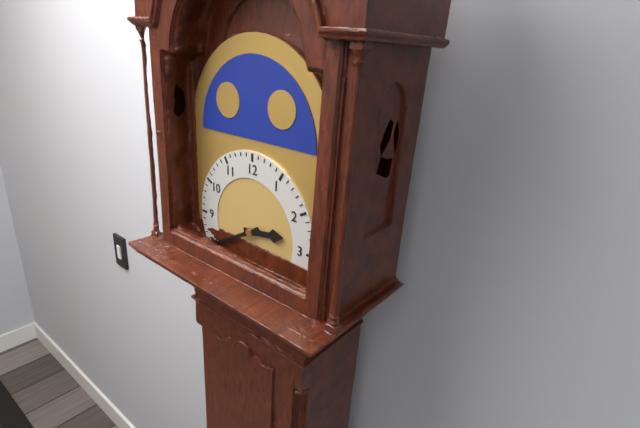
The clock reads 2,40
